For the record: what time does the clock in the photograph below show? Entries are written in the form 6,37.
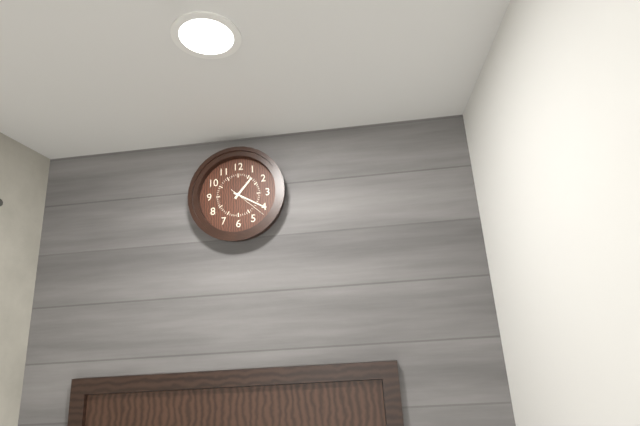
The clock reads 1,20
